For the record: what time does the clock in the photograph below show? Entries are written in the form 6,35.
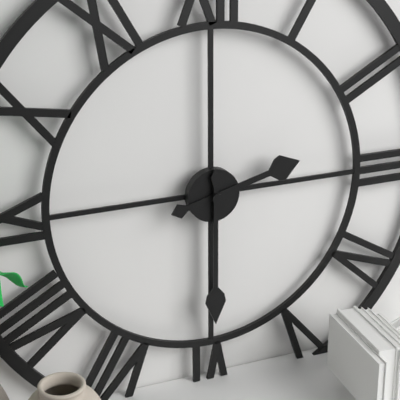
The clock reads 2,30
